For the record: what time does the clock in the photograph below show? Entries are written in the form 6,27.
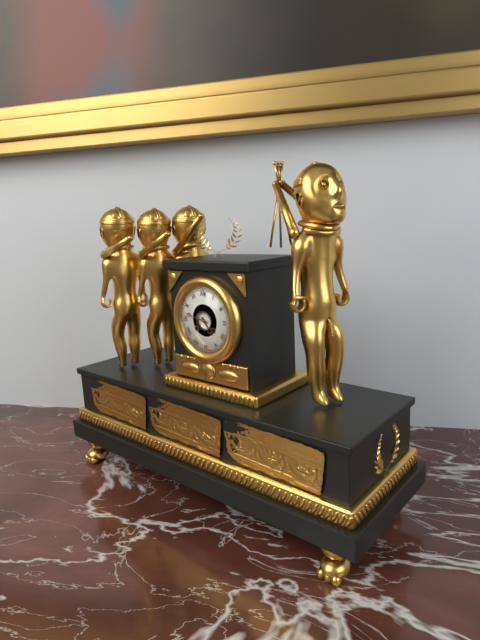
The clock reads 4,47
